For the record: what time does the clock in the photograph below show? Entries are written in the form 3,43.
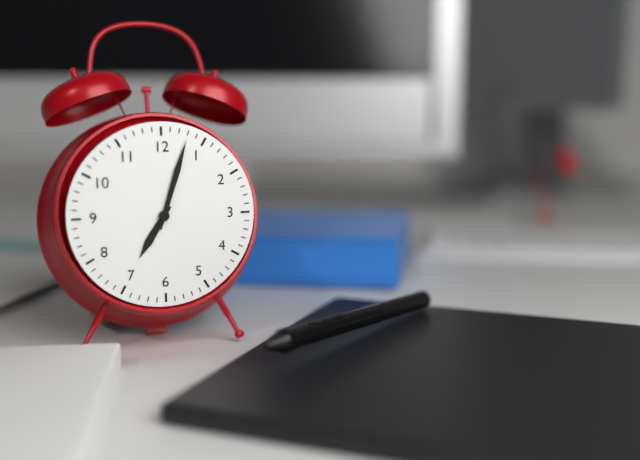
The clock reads 7,03
